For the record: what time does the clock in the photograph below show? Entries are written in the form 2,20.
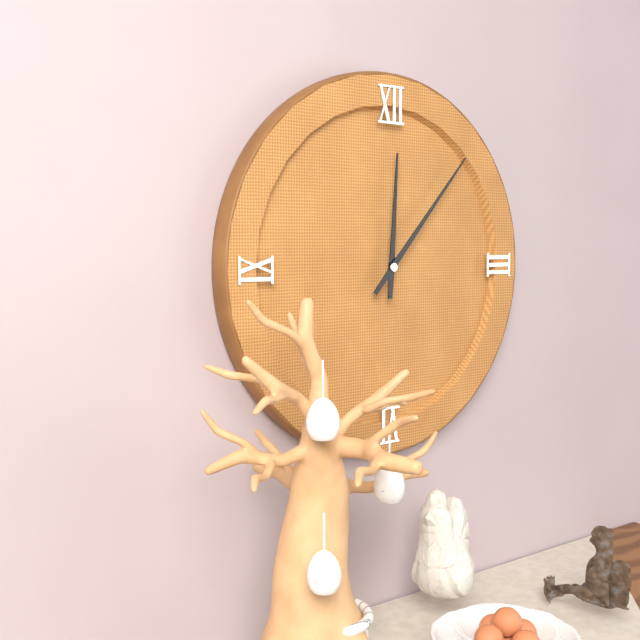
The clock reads 12,07
